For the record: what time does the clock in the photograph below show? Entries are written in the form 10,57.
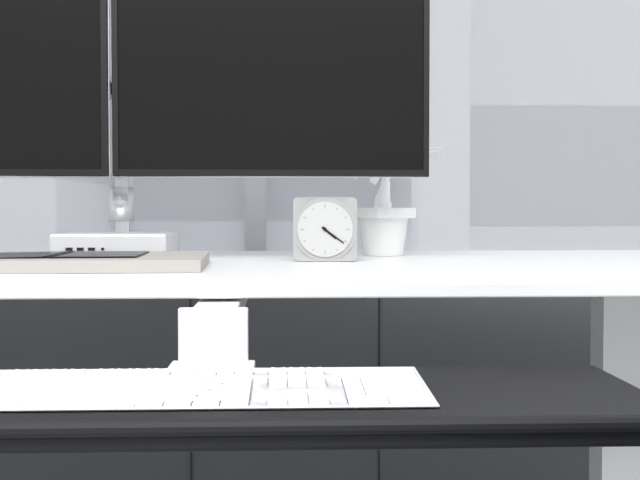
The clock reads 4,21
